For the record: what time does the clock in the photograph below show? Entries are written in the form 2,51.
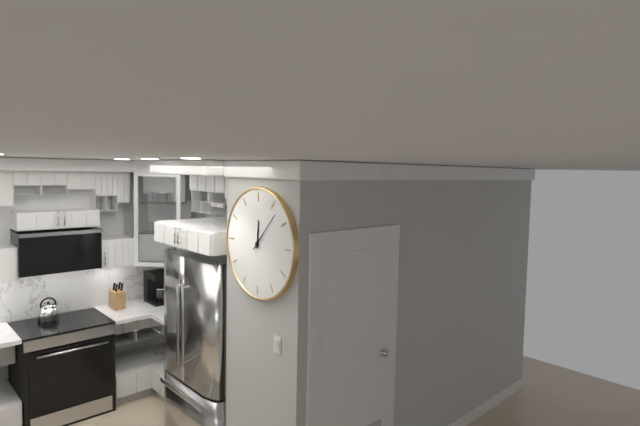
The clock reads 12,07
